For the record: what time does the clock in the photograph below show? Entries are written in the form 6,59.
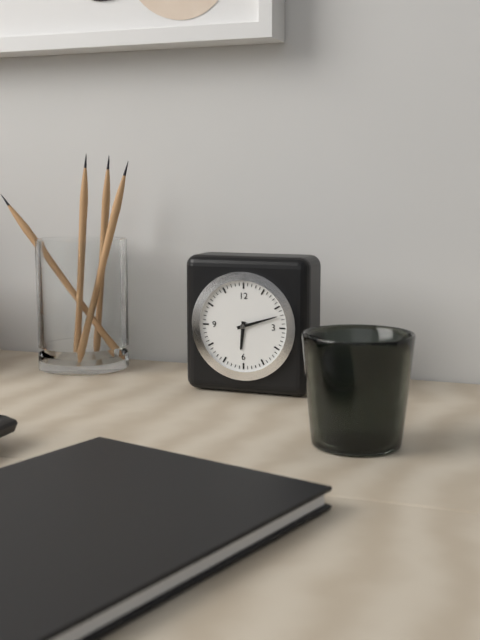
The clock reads 6,12
